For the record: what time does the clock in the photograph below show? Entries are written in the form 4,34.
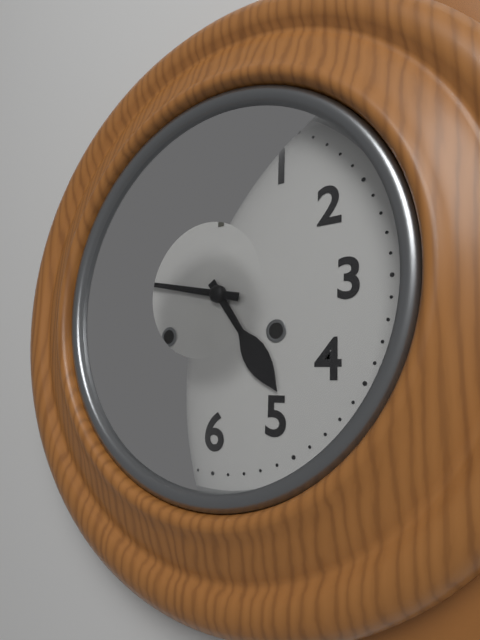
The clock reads 4,47
